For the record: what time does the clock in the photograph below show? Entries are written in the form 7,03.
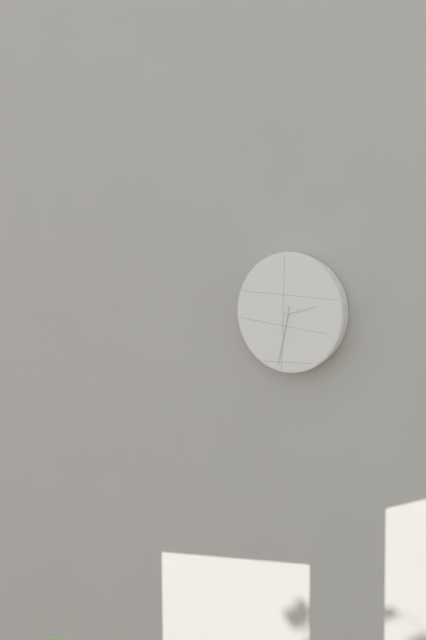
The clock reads 2,32
